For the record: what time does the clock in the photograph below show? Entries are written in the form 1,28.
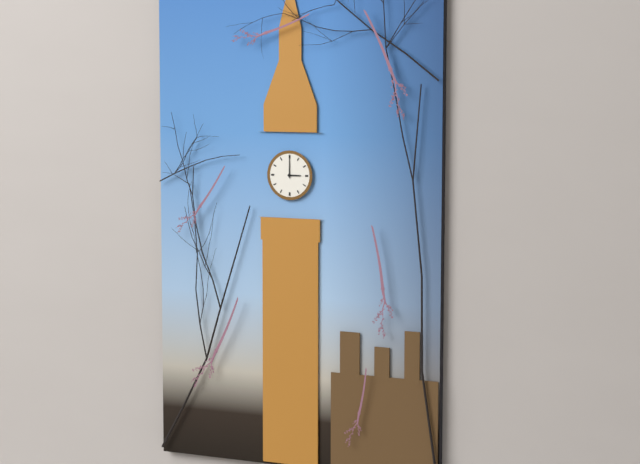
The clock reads 3,00
